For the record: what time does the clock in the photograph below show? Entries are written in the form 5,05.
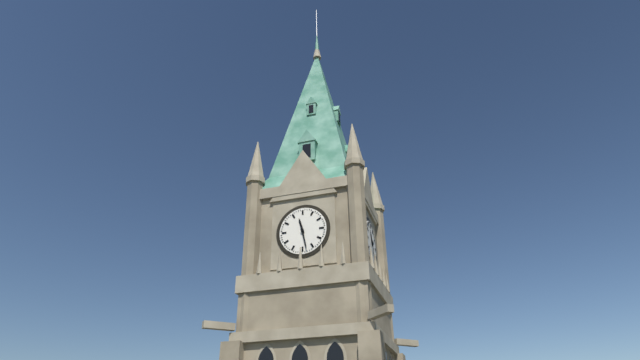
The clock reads 11,28
